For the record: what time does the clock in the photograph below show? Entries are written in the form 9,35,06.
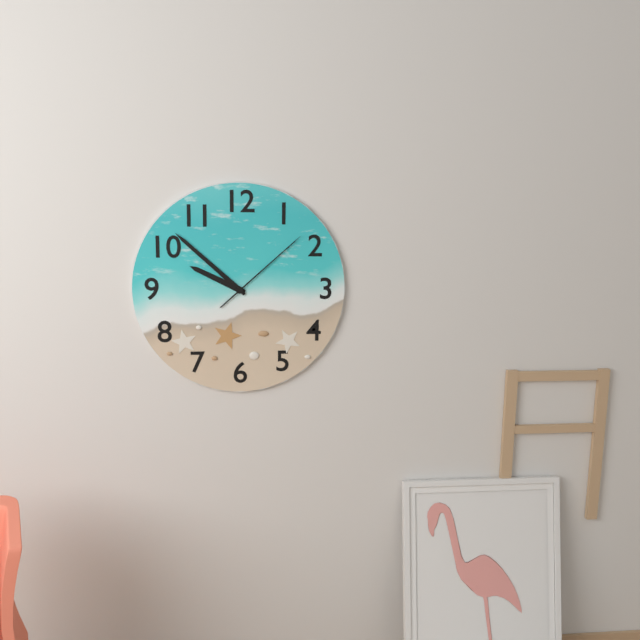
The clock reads 9,52,08
